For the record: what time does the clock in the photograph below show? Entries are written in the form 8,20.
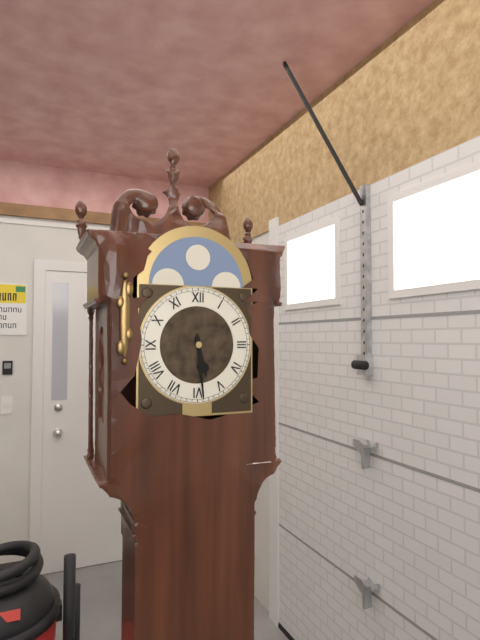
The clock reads 5,29
